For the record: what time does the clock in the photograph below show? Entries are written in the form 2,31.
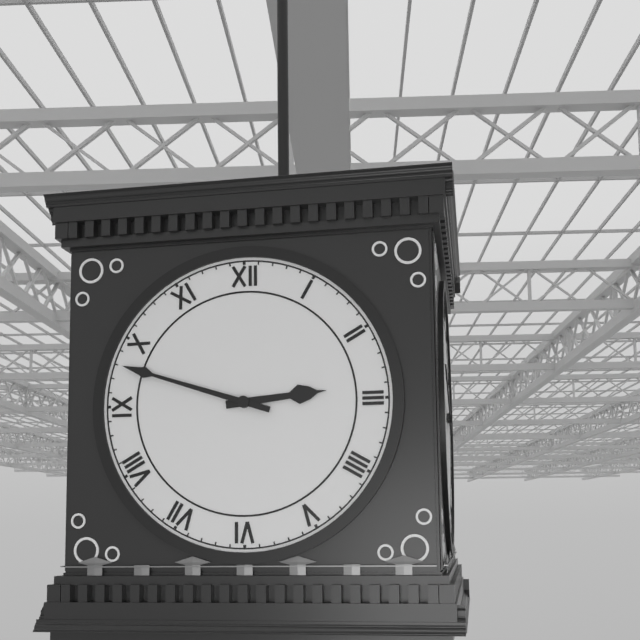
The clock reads 2,48
